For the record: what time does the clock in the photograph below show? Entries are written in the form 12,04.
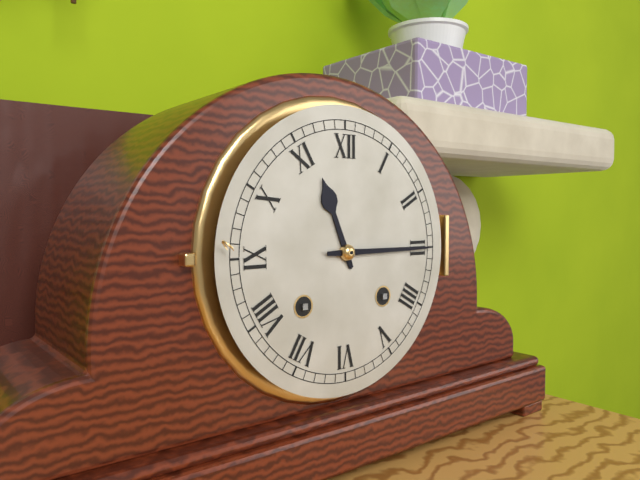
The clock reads 11,15
